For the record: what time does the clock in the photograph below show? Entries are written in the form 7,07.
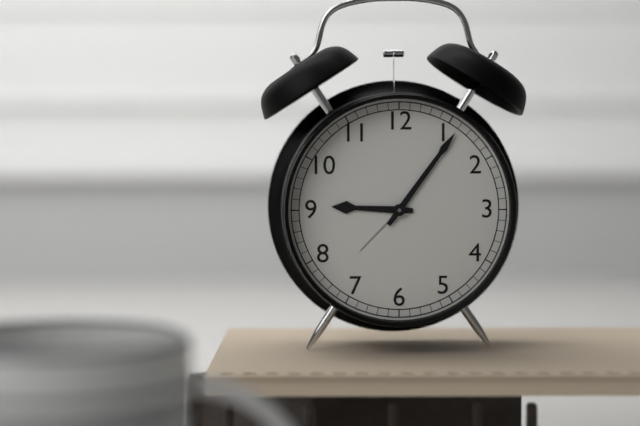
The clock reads 9,06
